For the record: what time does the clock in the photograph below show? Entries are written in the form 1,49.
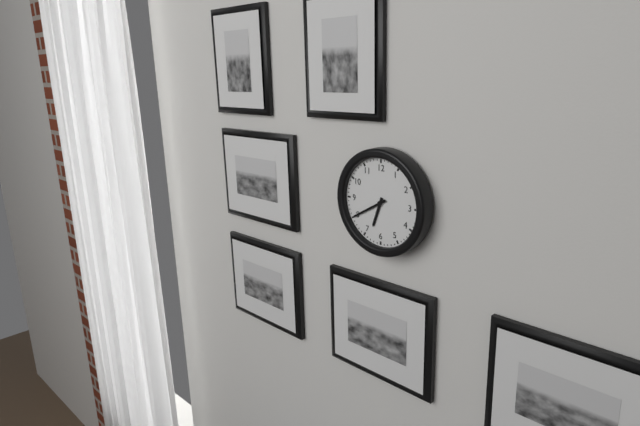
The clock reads 6,40
